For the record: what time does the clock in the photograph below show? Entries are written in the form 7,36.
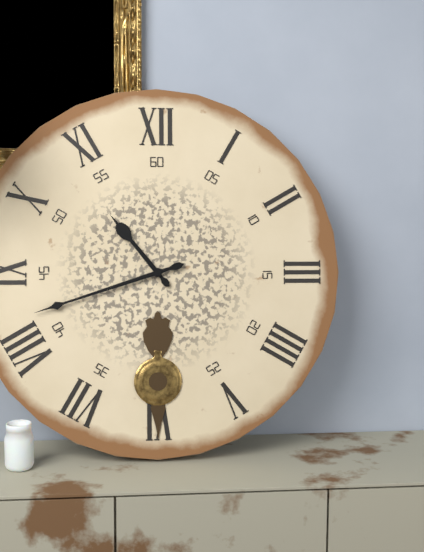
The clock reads 10,42
